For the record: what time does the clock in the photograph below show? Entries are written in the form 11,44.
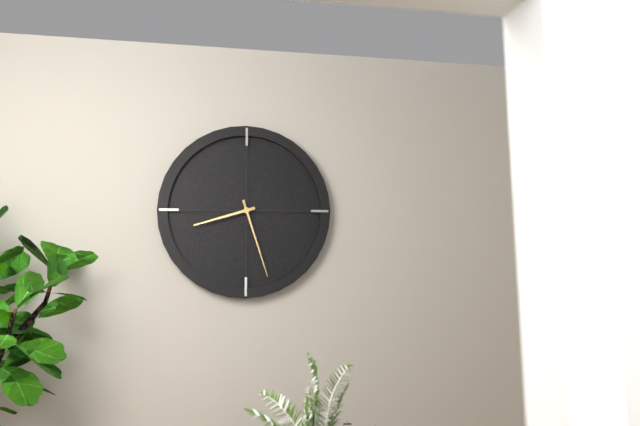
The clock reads 8,27
